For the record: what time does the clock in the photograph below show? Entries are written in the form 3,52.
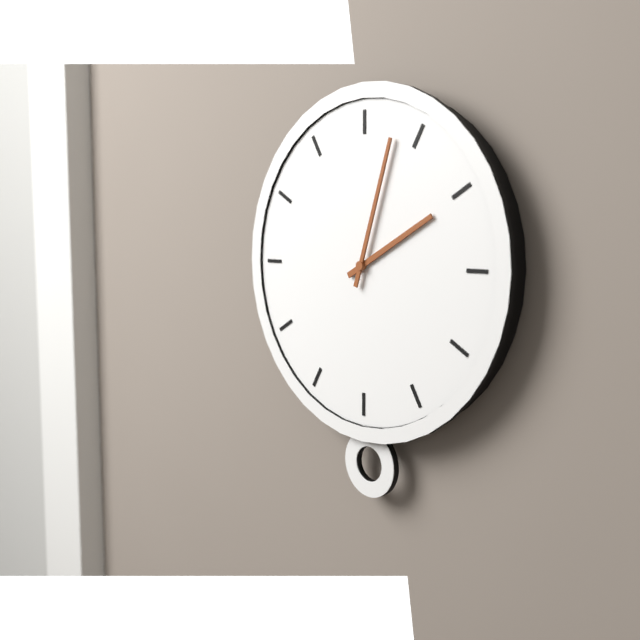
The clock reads 2,03
